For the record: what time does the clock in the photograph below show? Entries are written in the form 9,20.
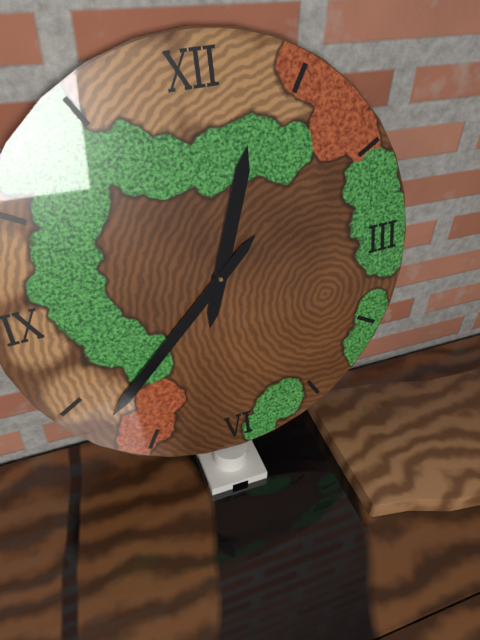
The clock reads 12,38
